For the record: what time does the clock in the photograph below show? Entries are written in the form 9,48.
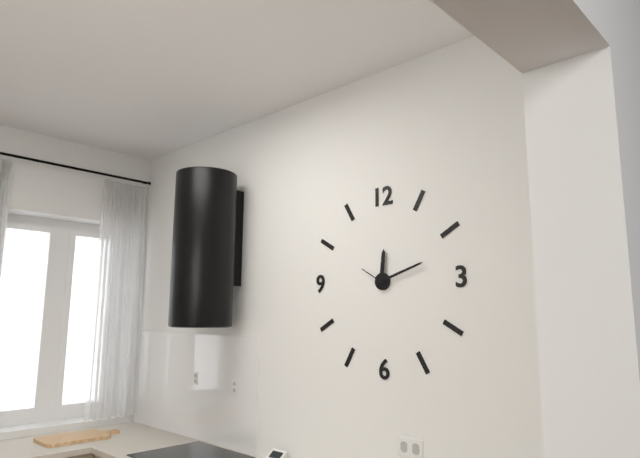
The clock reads 12,12
